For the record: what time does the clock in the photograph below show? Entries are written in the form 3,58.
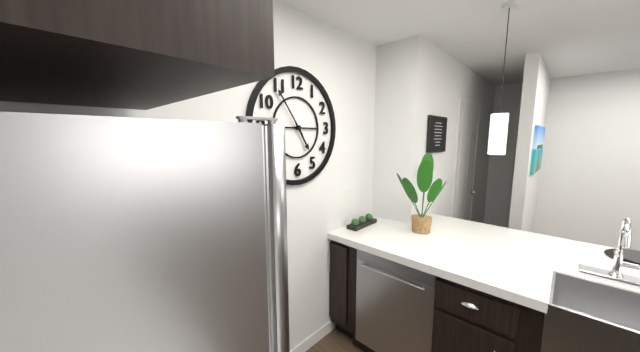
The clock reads 4,54
